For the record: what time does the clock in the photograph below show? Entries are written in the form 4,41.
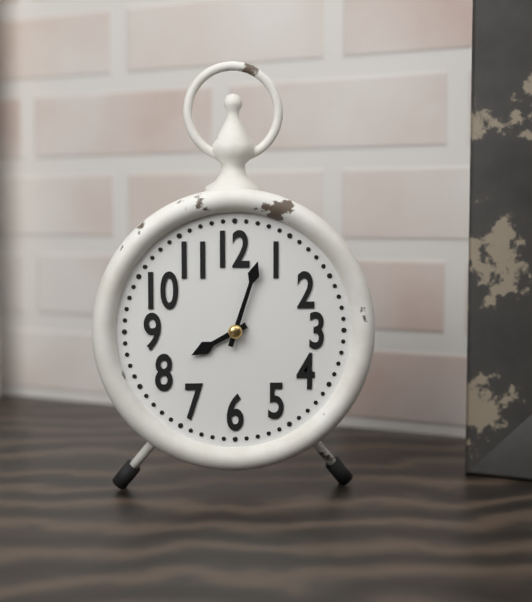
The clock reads 8,03
